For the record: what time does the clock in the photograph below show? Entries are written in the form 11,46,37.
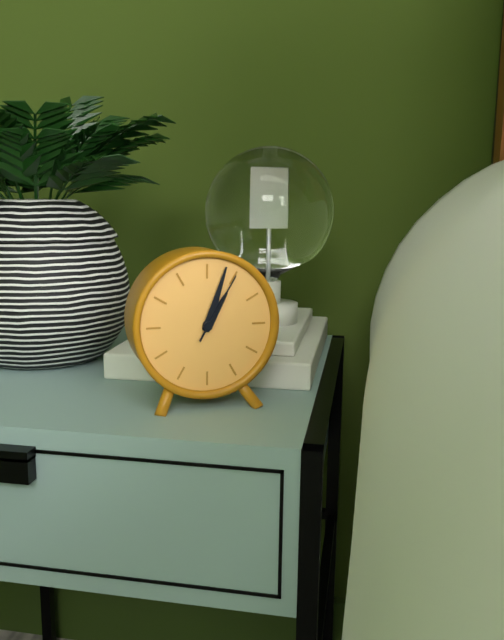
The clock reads 1,03,05
